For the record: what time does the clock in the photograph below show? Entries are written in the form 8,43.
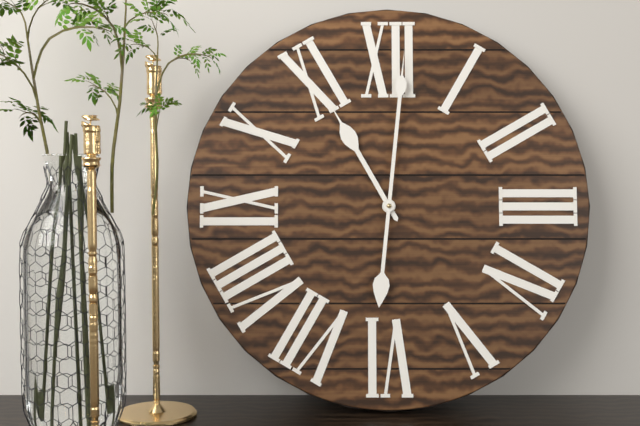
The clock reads 11,01
